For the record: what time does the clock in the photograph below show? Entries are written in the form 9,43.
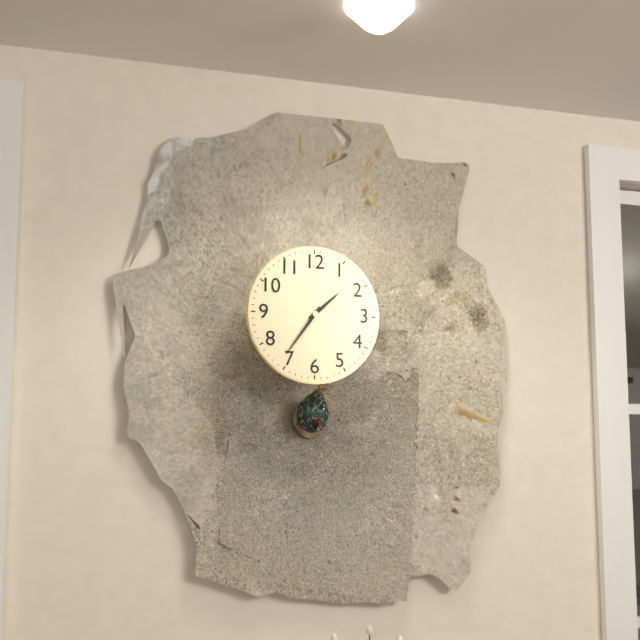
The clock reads 1,36
